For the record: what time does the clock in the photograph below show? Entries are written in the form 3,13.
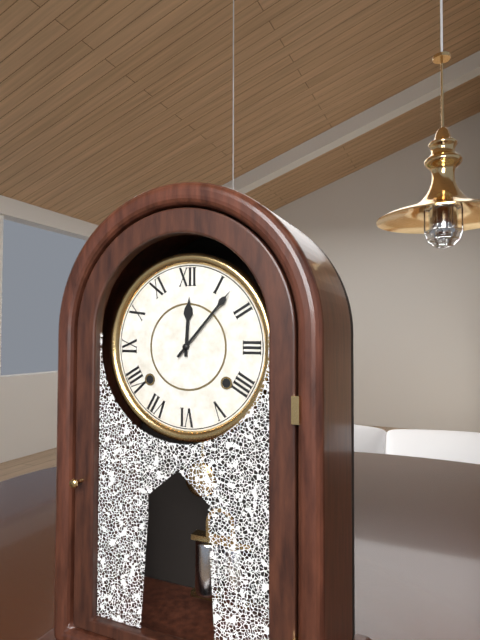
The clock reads 12,07
